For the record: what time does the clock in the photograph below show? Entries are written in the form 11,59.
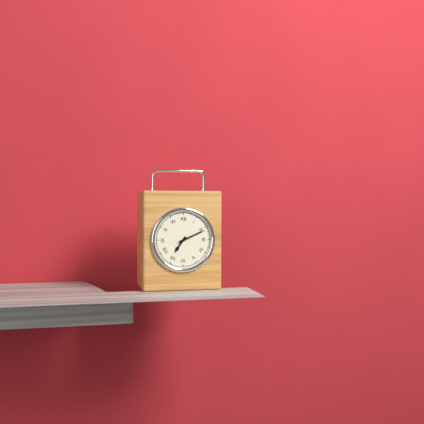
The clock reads 7,11
